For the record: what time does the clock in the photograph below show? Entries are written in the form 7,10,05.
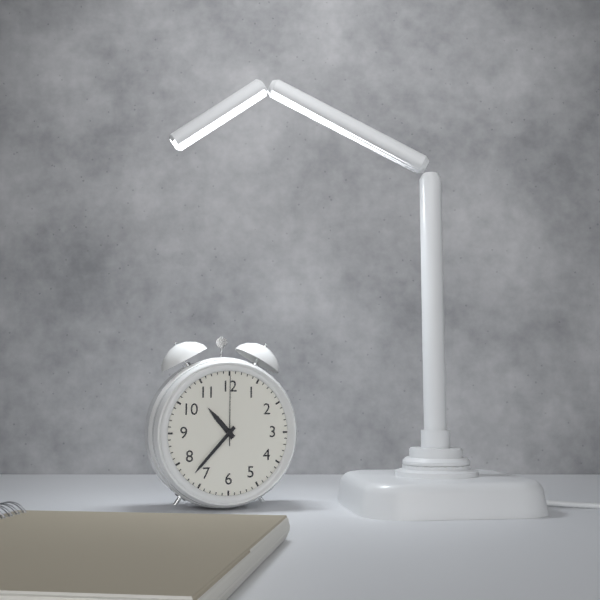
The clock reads 10,37,00
